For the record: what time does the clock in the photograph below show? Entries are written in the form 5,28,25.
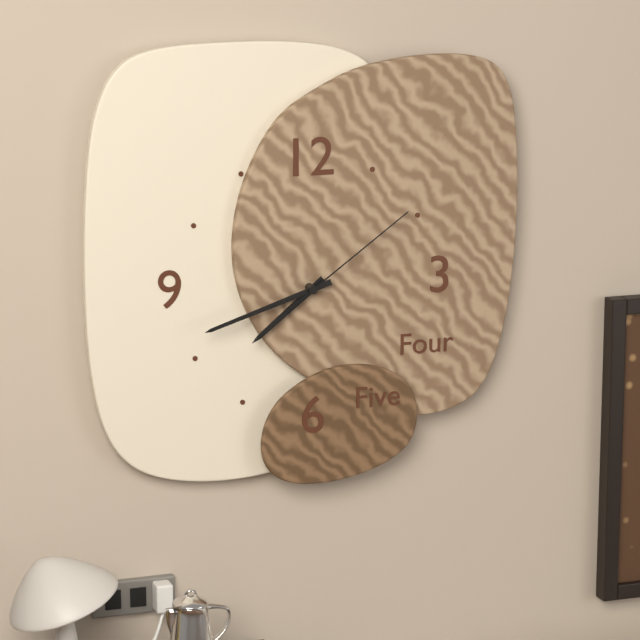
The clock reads 7,42,09
